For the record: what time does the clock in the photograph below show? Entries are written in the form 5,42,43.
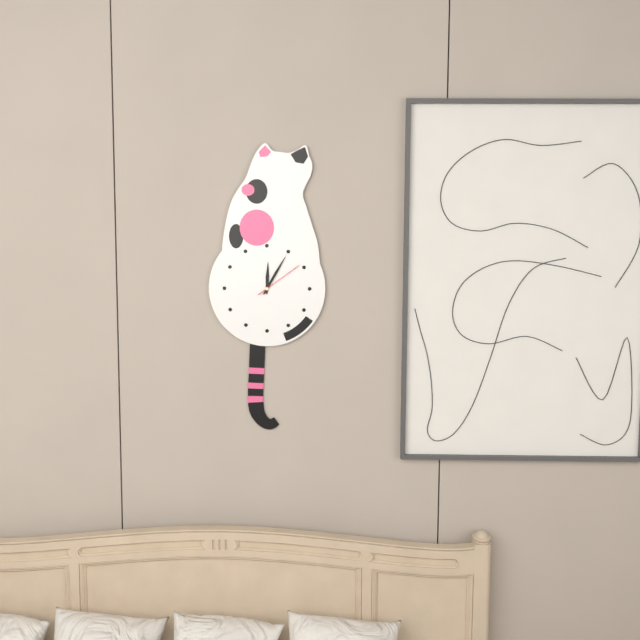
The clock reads 12,05,09
